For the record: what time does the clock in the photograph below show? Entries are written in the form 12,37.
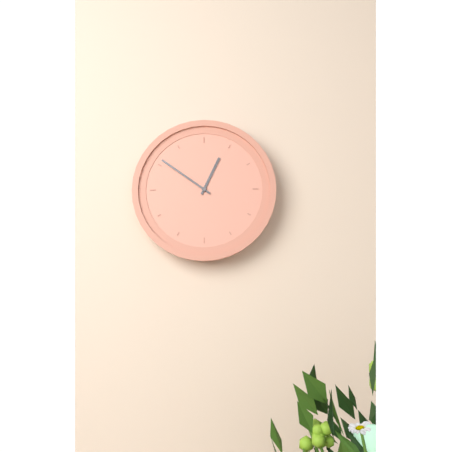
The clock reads 12,51
